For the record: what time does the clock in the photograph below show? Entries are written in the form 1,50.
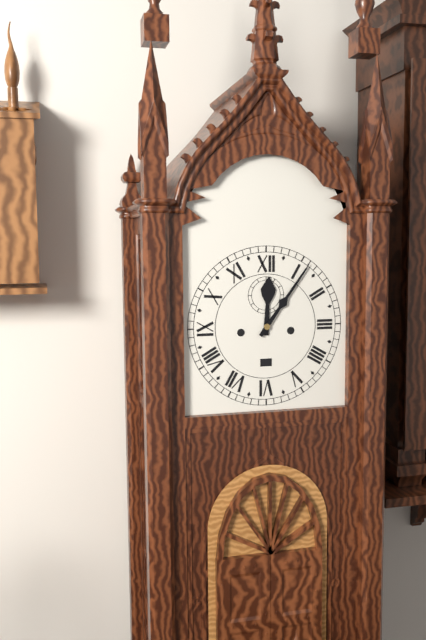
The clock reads 12,06
